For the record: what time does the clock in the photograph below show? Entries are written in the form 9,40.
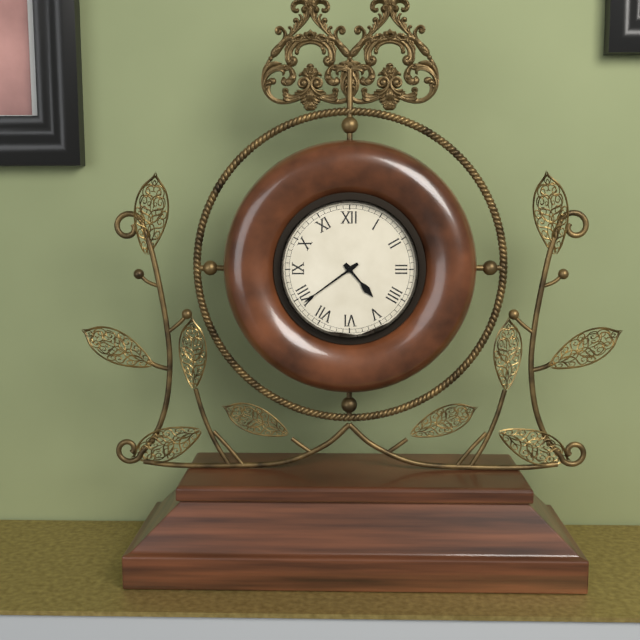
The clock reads 4,39
